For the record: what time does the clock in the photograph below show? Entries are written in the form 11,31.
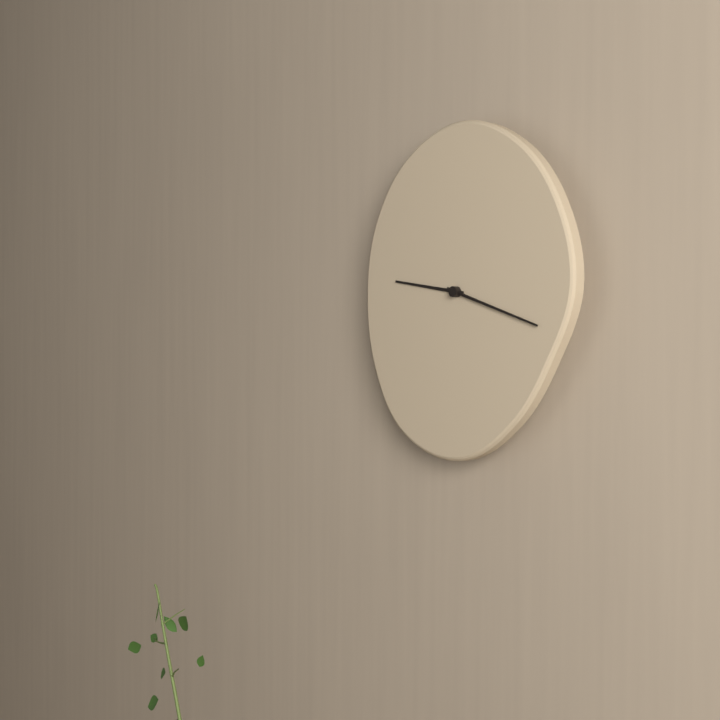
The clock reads 9,18
